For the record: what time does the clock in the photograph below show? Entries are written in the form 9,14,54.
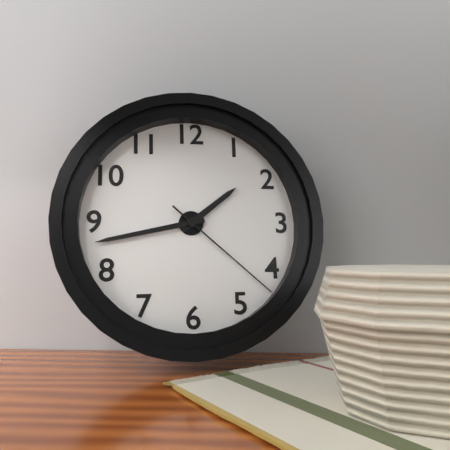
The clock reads 1,43,22
